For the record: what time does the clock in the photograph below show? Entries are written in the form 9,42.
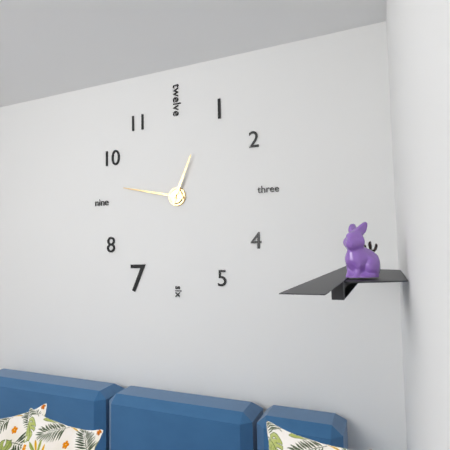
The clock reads 12,47
